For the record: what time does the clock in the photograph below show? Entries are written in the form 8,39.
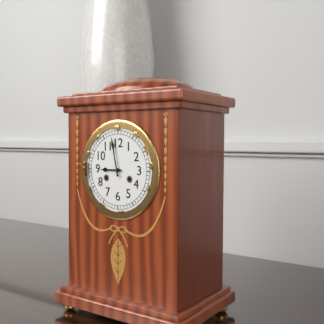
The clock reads 8,58
